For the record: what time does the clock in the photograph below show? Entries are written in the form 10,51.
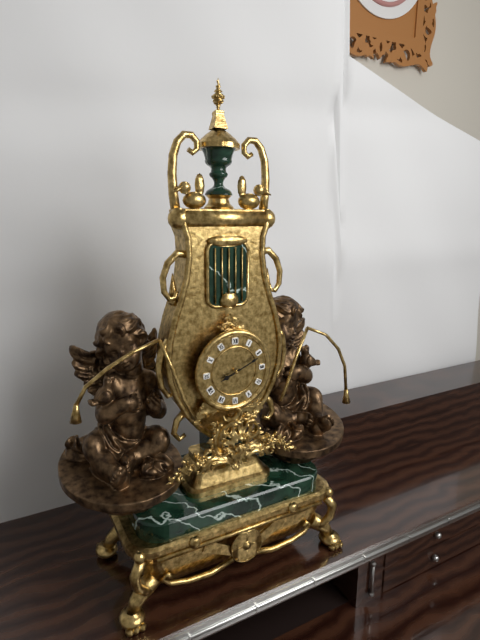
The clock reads 8,11
